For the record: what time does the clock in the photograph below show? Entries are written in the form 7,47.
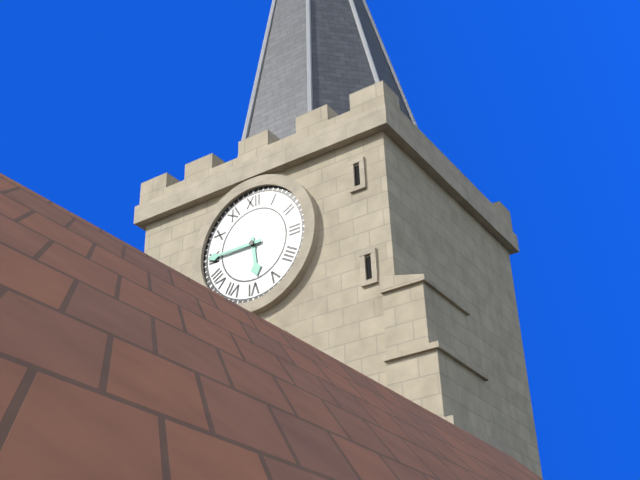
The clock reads 5,45
